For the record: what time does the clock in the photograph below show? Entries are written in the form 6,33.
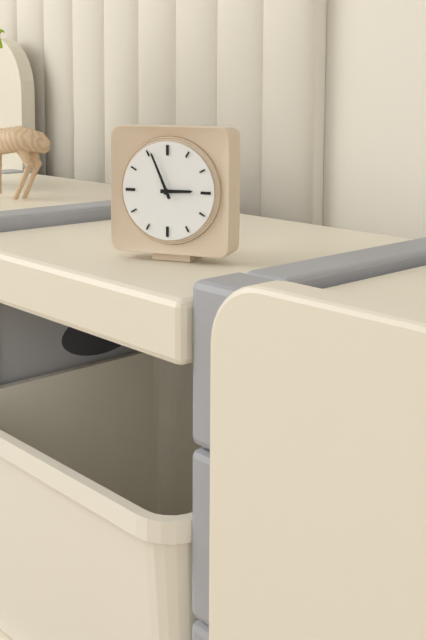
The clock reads 2,56
